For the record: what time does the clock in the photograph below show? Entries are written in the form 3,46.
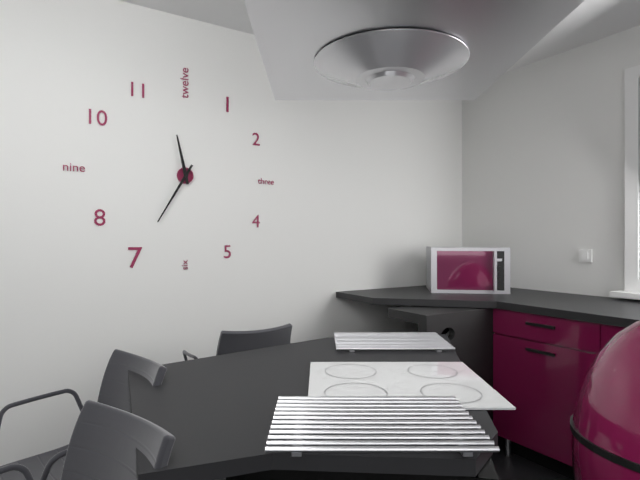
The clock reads 11,35
